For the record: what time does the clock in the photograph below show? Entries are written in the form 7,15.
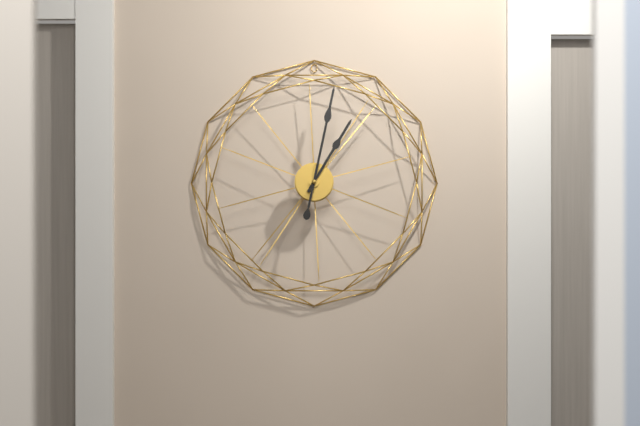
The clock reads 1,02
